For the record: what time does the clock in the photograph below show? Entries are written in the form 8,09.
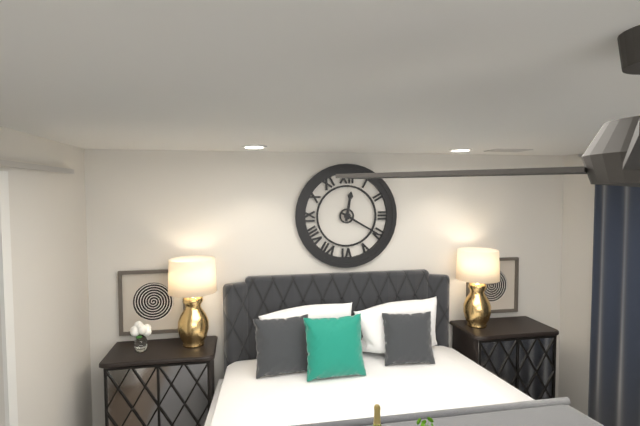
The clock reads 12,20
